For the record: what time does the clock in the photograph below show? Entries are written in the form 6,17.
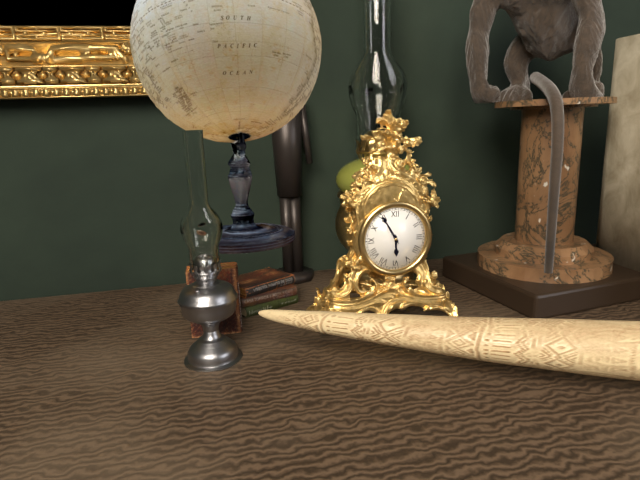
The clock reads 5,55
